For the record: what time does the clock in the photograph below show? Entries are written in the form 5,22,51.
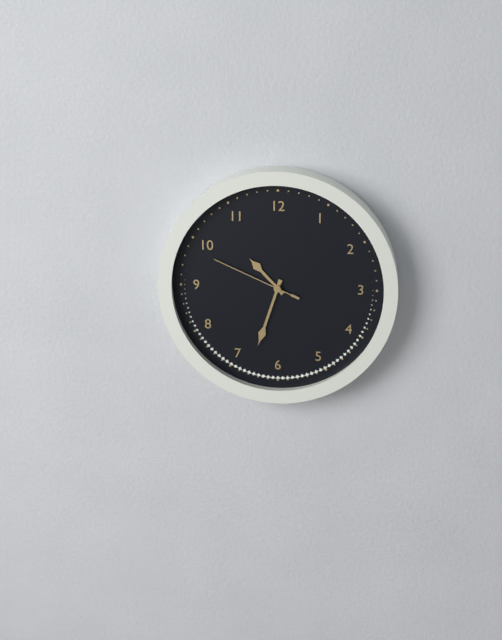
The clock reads 10,33,49
